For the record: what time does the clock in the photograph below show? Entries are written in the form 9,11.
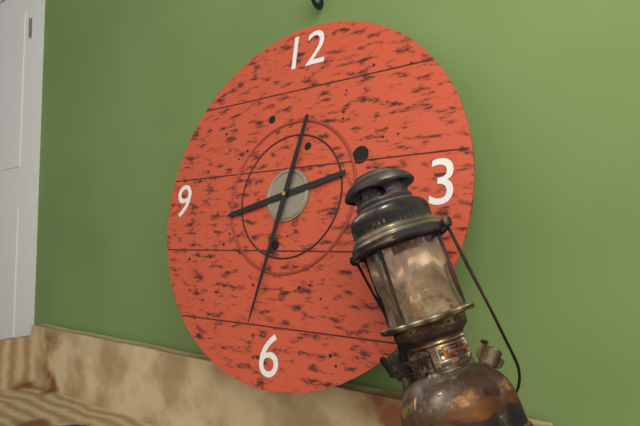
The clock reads 8,32
